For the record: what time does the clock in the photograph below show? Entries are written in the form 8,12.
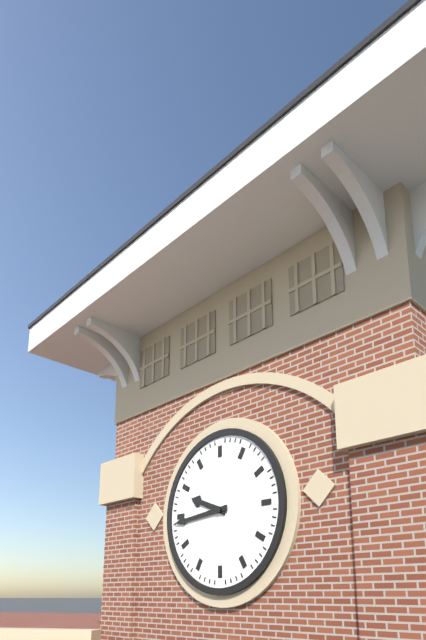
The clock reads 9,44
